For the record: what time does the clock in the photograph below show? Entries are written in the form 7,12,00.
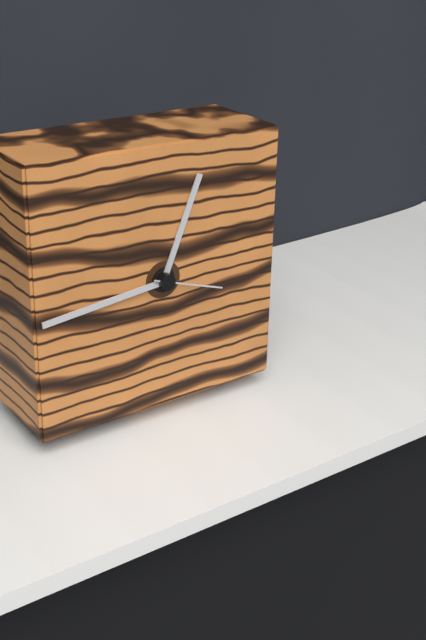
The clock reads 12,44,18
